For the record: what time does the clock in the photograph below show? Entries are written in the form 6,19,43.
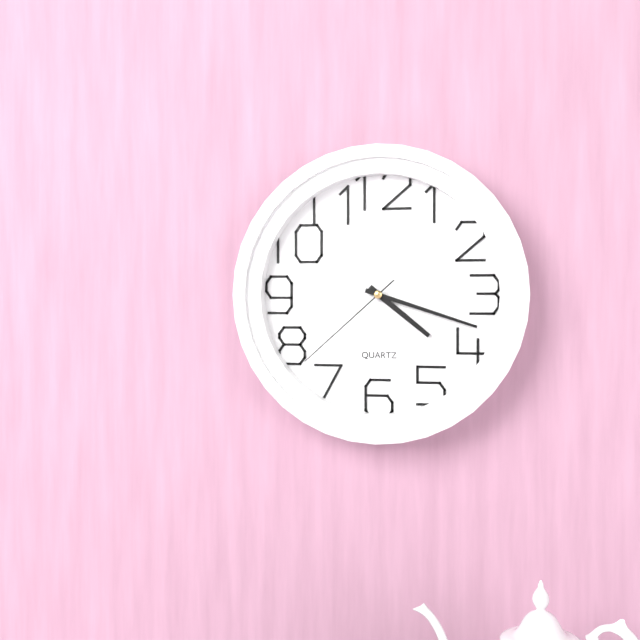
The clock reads 4,18,38
